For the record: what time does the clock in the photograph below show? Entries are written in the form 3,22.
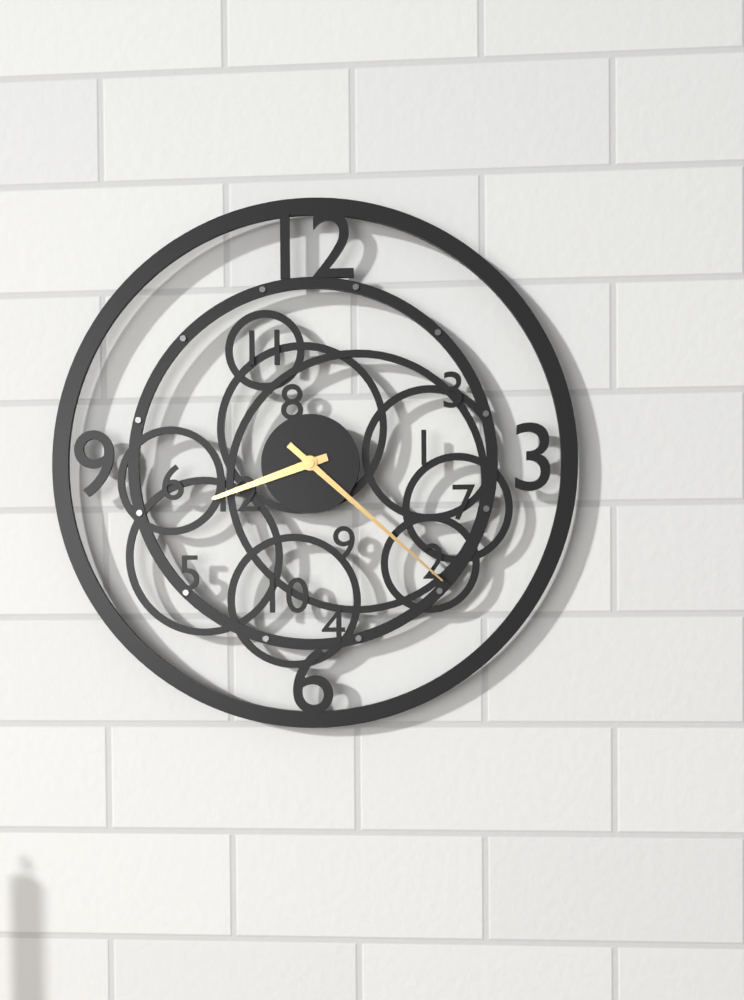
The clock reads 8,22
